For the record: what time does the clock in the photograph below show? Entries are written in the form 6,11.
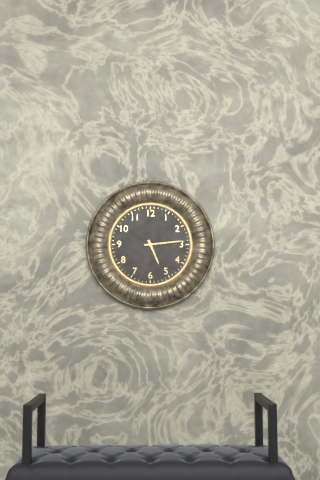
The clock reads 5,14
